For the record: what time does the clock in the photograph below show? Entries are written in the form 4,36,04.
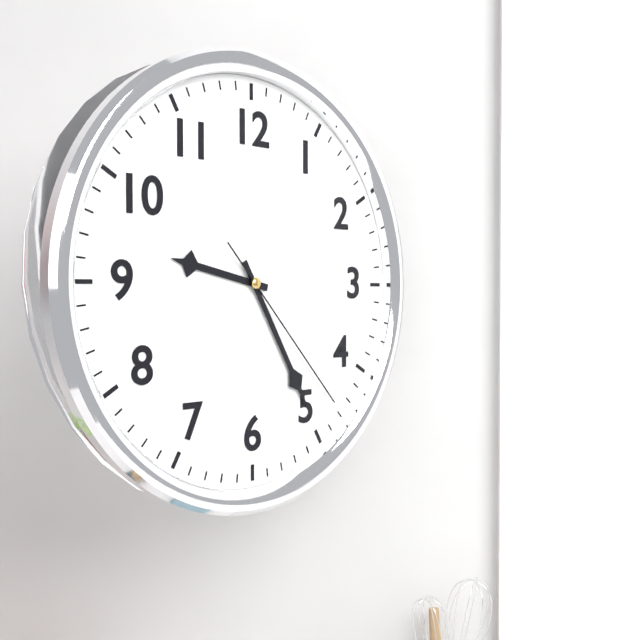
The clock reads 9,25,23
